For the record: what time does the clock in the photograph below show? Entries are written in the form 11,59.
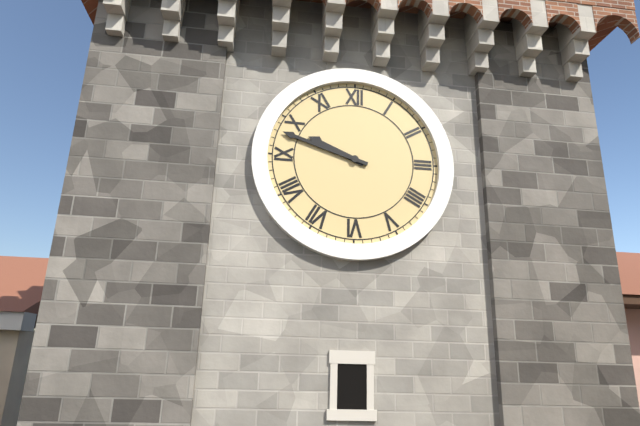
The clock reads 9,48
